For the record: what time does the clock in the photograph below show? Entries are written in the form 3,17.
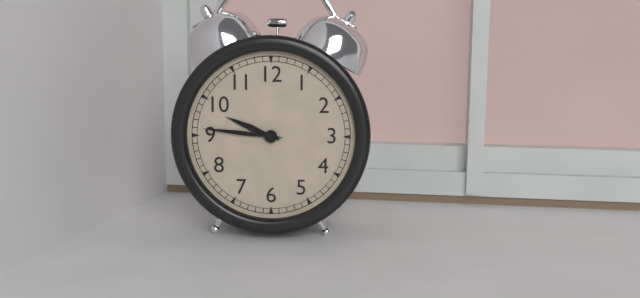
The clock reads 9,46
